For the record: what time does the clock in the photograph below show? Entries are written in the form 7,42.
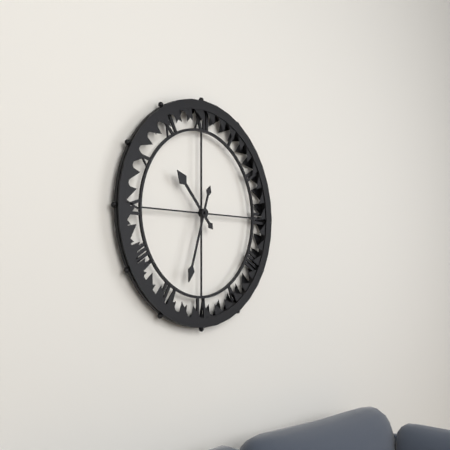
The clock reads 10,33
